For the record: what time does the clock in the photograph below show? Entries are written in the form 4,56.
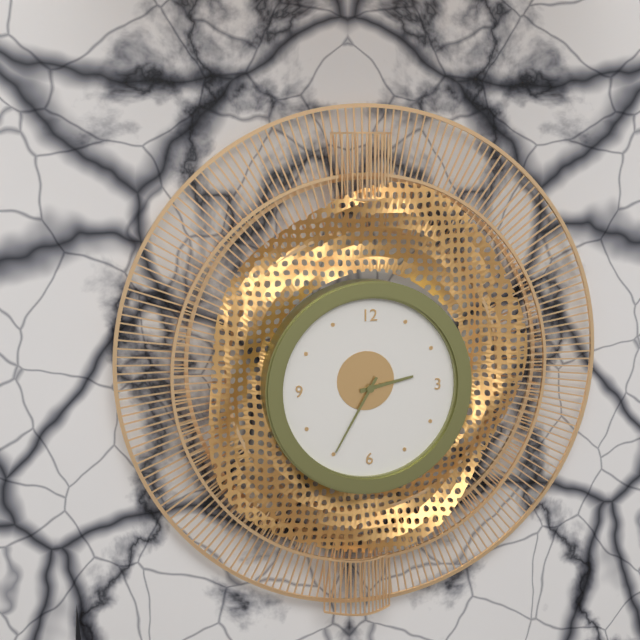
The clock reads 2,35
